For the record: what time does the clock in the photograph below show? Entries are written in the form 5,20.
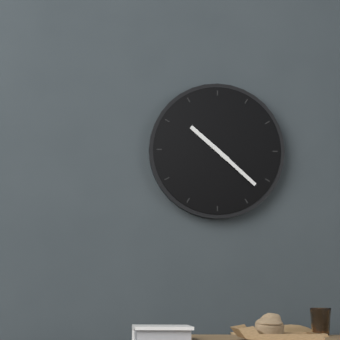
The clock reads 10,22
